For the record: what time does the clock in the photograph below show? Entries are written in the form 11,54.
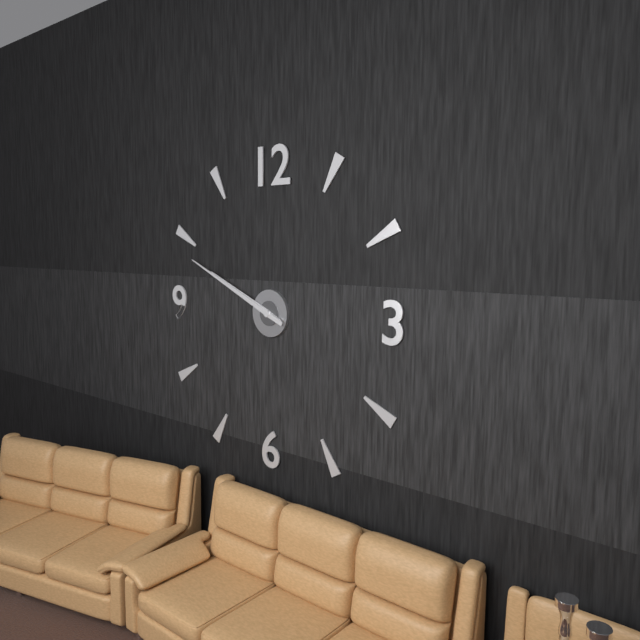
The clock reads 9,49
